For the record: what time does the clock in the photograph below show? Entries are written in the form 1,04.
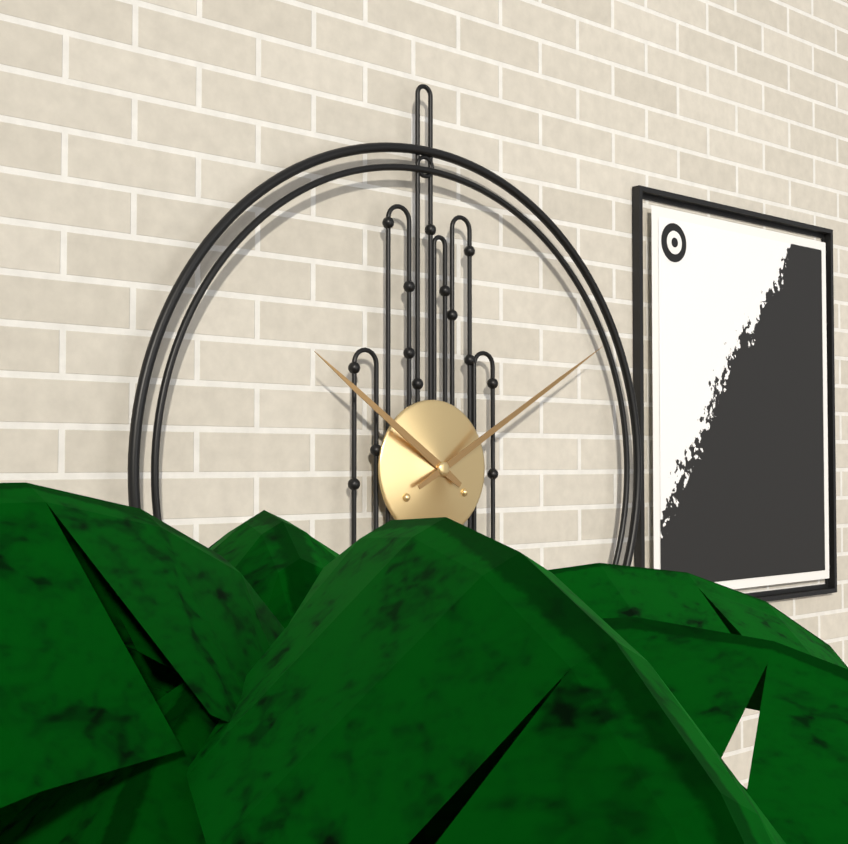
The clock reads 10,10
